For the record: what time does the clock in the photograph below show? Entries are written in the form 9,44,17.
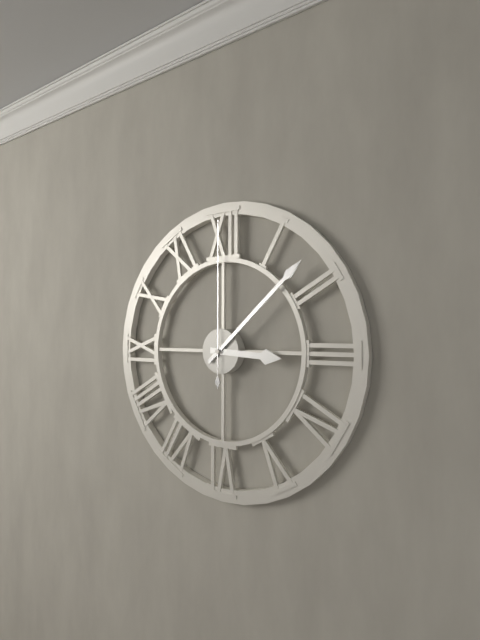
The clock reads 3,08,00
